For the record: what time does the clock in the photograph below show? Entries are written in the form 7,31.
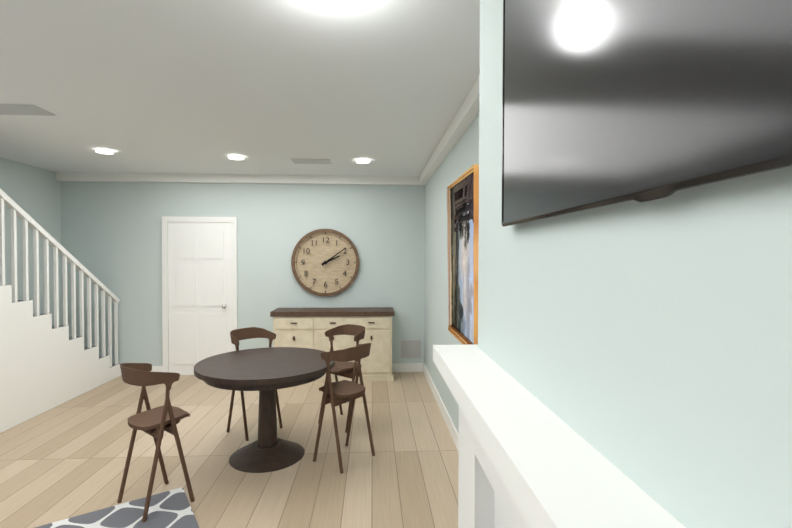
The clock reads 2,09
